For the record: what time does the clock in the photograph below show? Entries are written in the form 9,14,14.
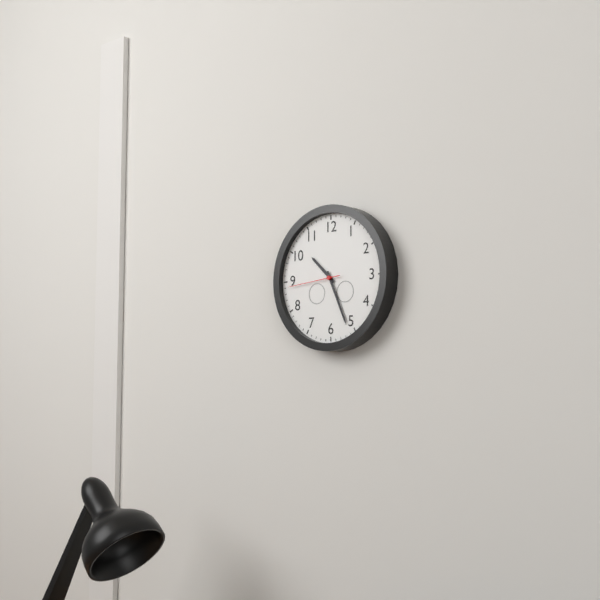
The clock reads 10,26,44
